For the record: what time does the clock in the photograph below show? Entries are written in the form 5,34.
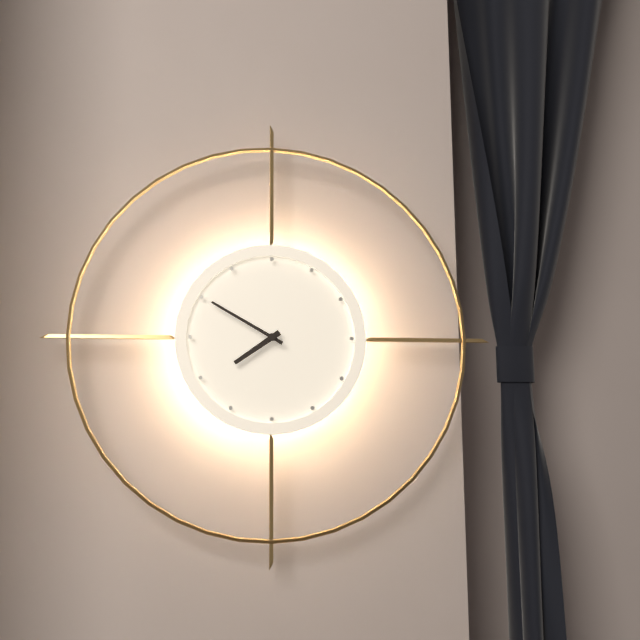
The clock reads 7,50
